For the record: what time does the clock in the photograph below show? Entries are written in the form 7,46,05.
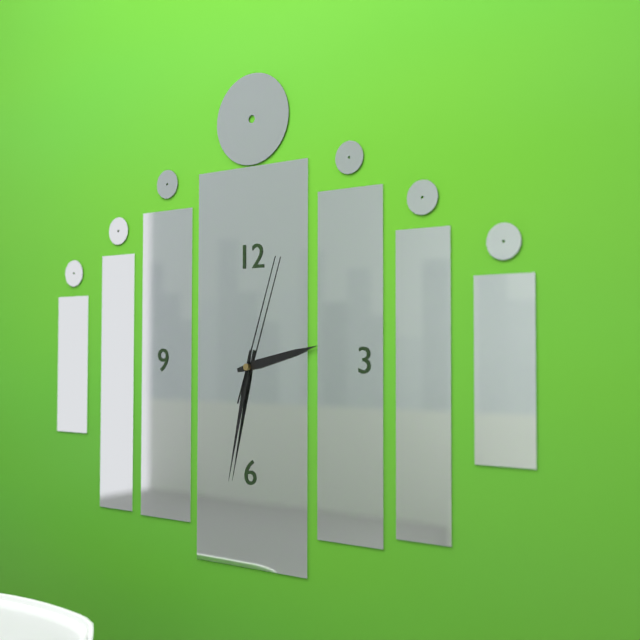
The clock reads 2,32,03
